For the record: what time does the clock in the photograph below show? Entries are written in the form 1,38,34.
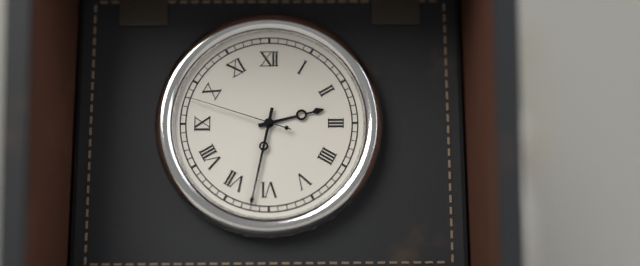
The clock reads 2,32,48
